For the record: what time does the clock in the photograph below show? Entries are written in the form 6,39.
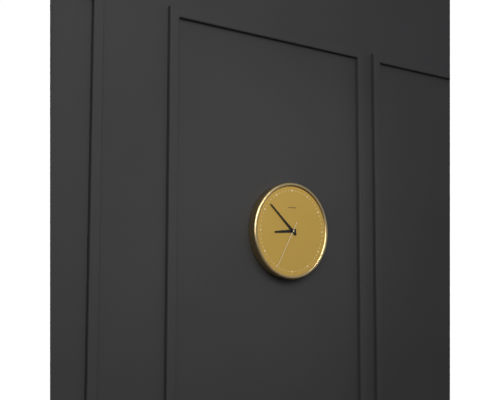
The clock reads 8,52
